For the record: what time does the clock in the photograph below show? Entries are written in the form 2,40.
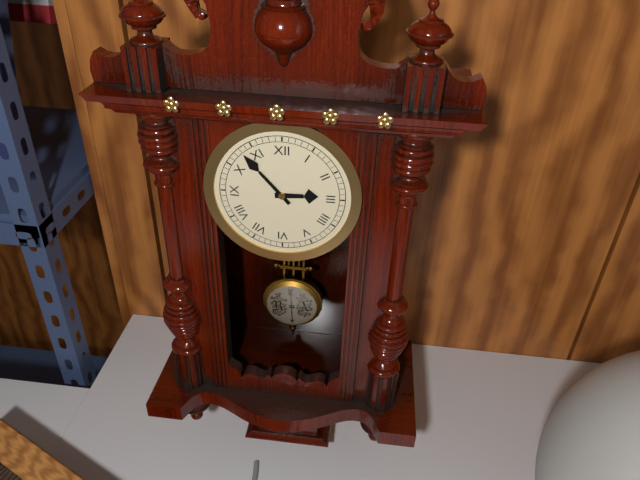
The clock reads 2,53
